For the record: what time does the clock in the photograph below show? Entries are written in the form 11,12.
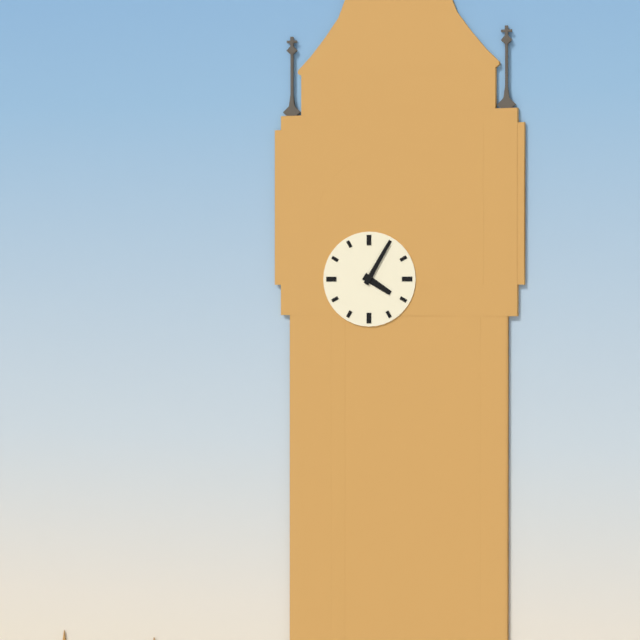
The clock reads 4,05
